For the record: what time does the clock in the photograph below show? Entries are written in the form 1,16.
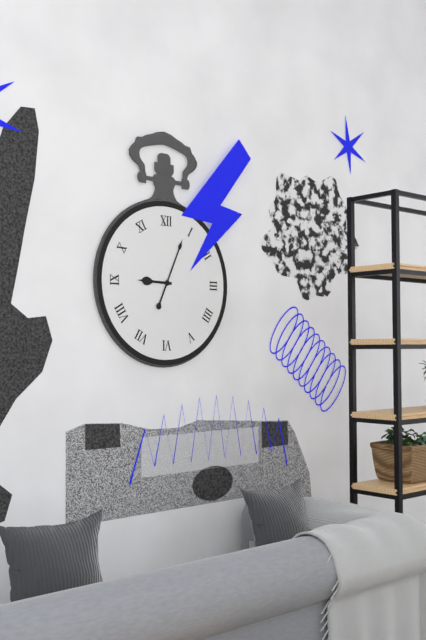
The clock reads 9,04
